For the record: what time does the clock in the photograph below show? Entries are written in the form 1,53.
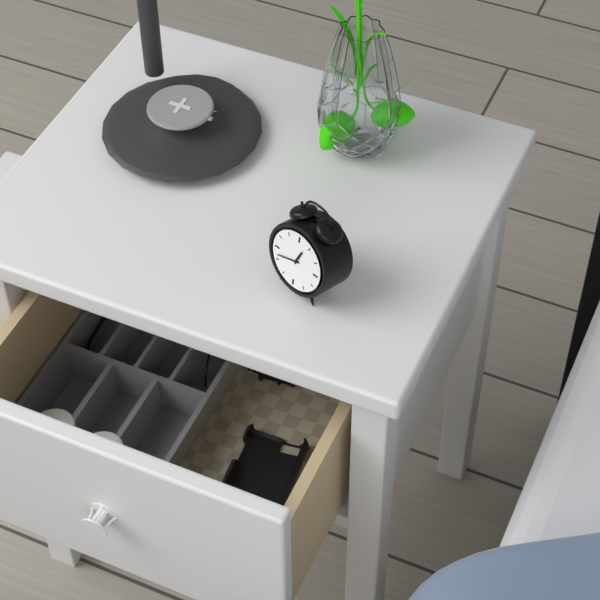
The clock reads 12,42
